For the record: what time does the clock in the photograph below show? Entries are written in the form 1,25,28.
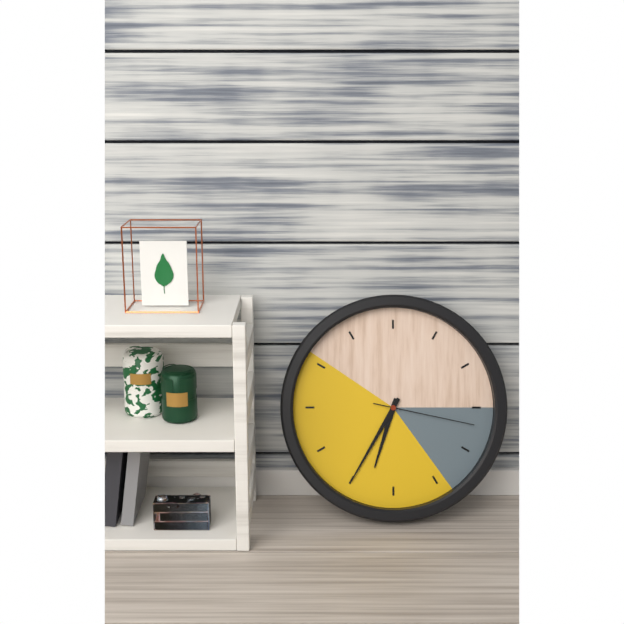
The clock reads 6,35,17
